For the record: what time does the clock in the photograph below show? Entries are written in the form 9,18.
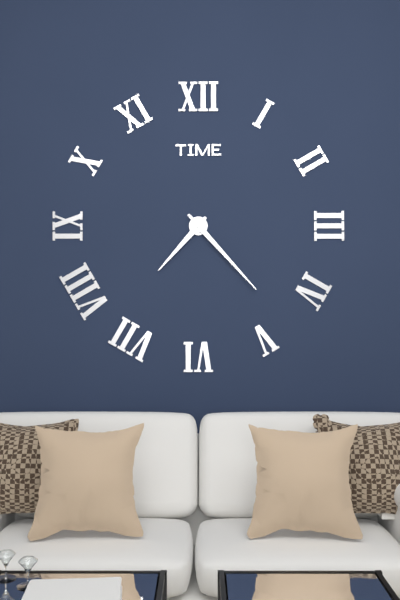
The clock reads 7,23
